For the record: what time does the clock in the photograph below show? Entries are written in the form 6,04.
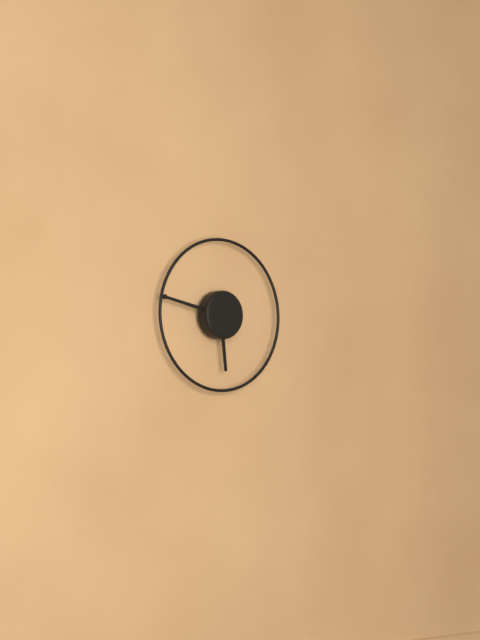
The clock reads 5,47
